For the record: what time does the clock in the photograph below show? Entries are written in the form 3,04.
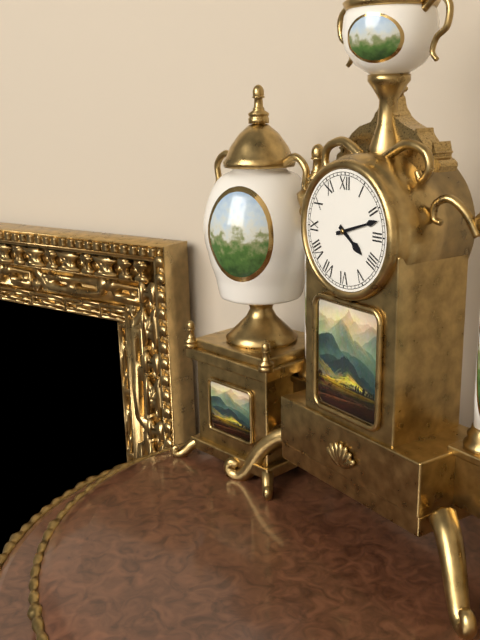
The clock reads 4,12
